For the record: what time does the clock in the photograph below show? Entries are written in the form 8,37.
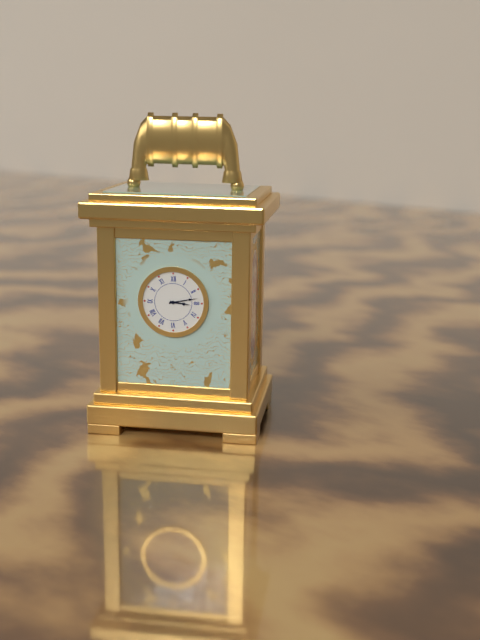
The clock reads 3,13
